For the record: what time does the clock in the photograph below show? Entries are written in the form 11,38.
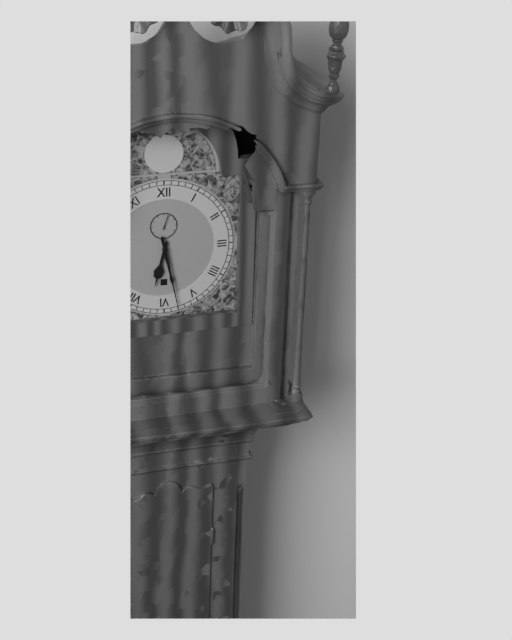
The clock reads 6,28
